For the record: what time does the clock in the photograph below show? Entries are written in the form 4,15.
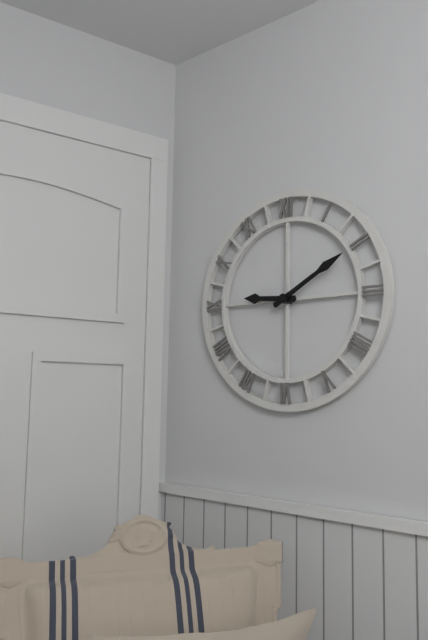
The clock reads 9,10
